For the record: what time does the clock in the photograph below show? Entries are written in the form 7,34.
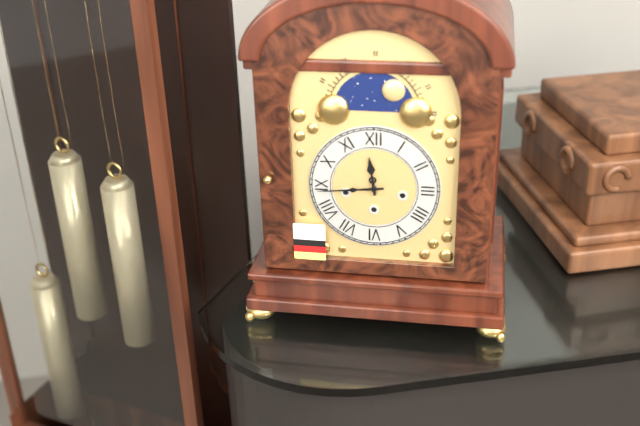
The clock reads 11,44
